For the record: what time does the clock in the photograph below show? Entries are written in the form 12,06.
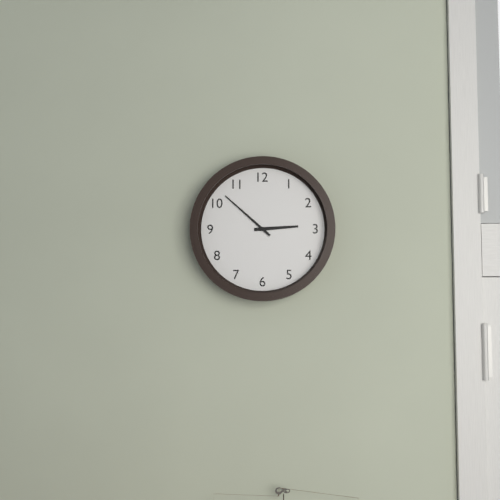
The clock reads 2,52
